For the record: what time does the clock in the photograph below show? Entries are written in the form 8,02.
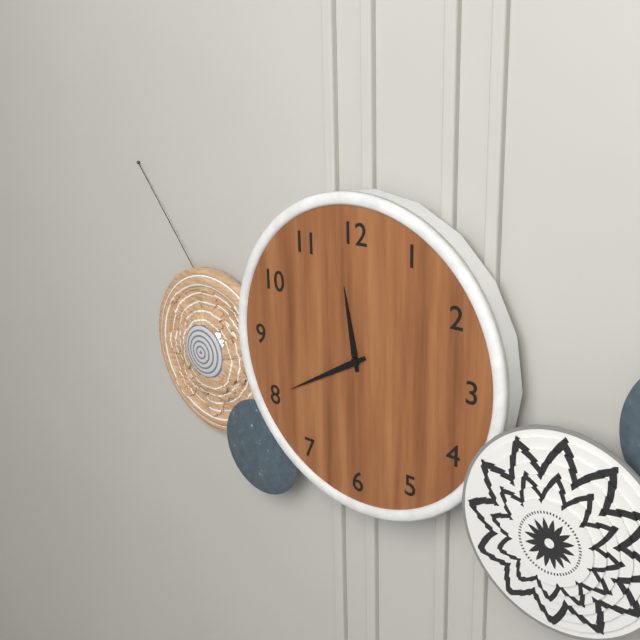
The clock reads 11,40
